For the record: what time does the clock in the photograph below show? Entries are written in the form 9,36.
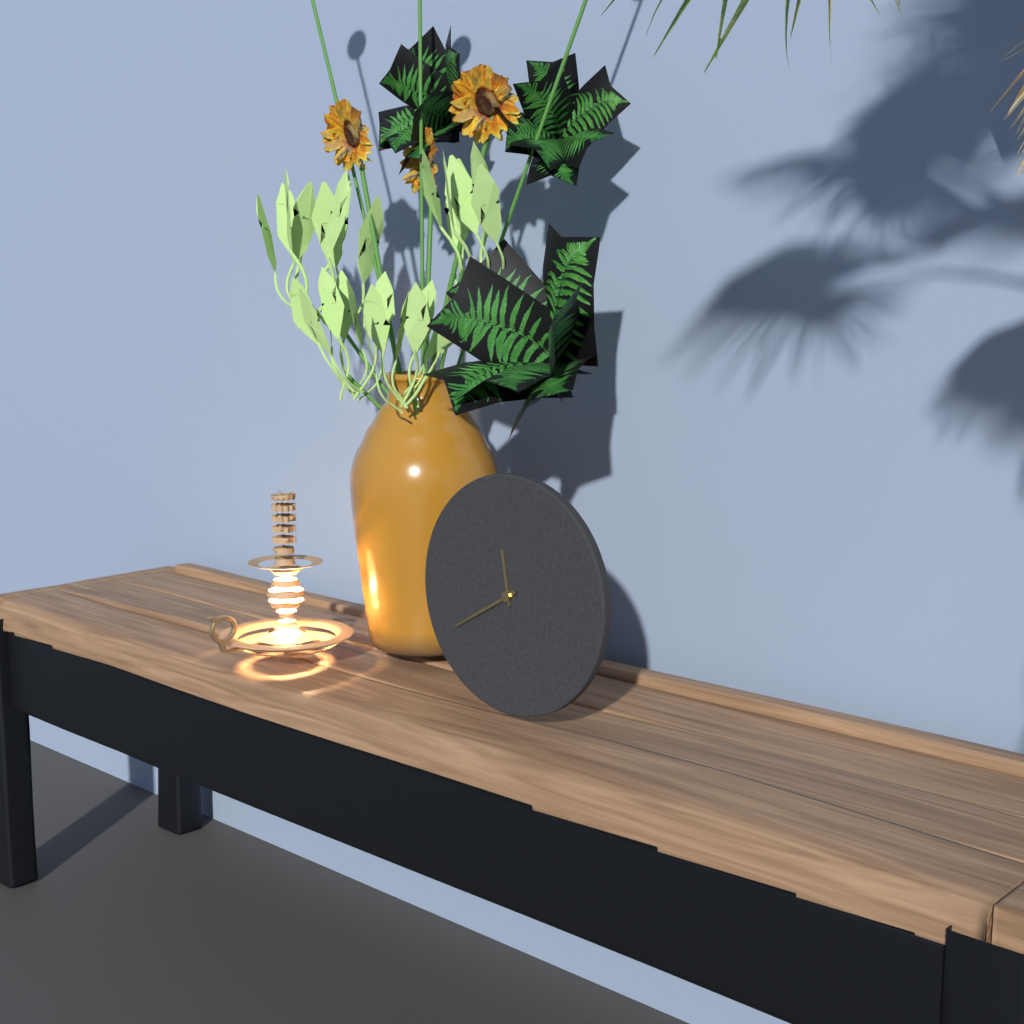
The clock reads 11,40
